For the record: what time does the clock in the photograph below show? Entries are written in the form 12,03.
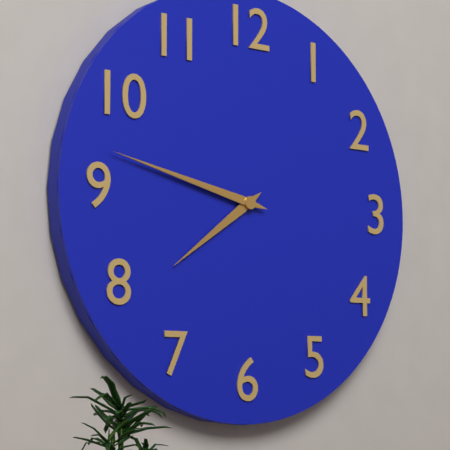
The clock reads 7,47
